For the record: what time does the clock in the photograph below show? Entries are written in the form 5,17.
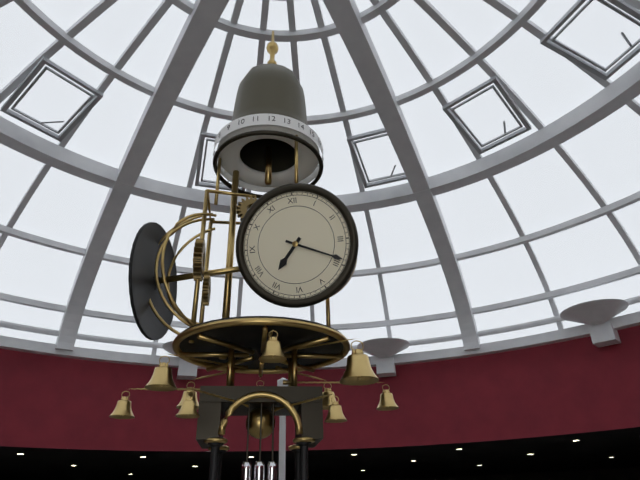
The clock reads 7,19
